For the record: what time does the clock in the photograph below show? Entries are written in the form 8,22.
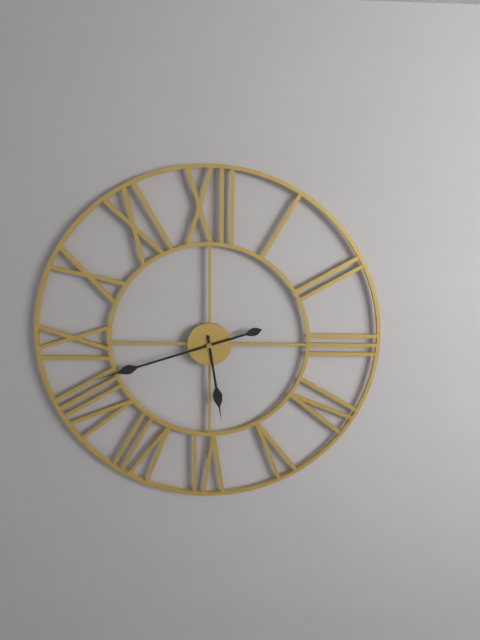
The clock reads 5,42
